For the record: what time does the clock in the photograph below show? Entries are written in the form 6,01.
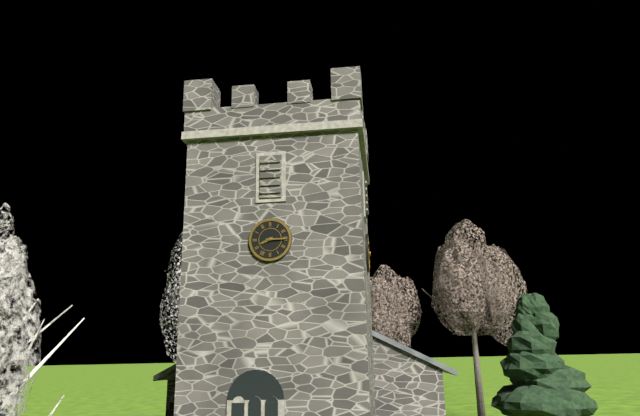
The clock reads 8,15
